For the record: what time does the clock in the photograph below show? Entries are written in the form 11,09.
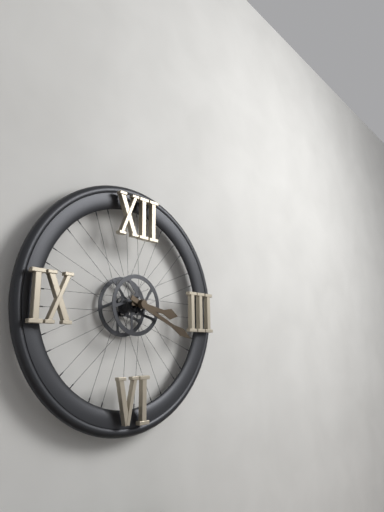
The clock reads 3,19
